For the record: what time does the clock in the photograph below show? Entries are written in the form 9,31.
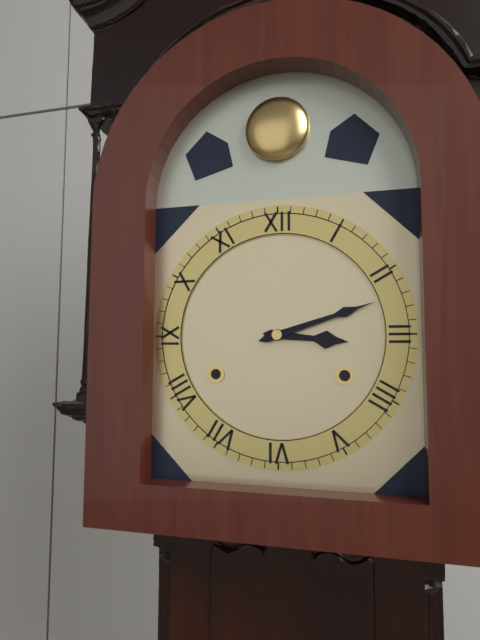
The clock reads 3,12
